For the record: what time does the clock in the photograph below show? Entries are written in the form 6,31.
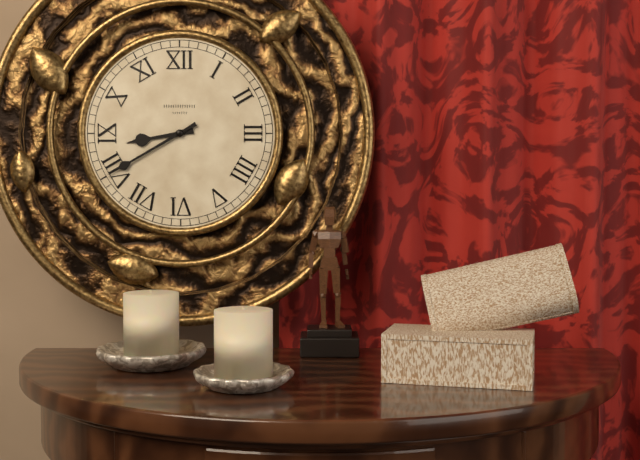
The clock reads 8,40
